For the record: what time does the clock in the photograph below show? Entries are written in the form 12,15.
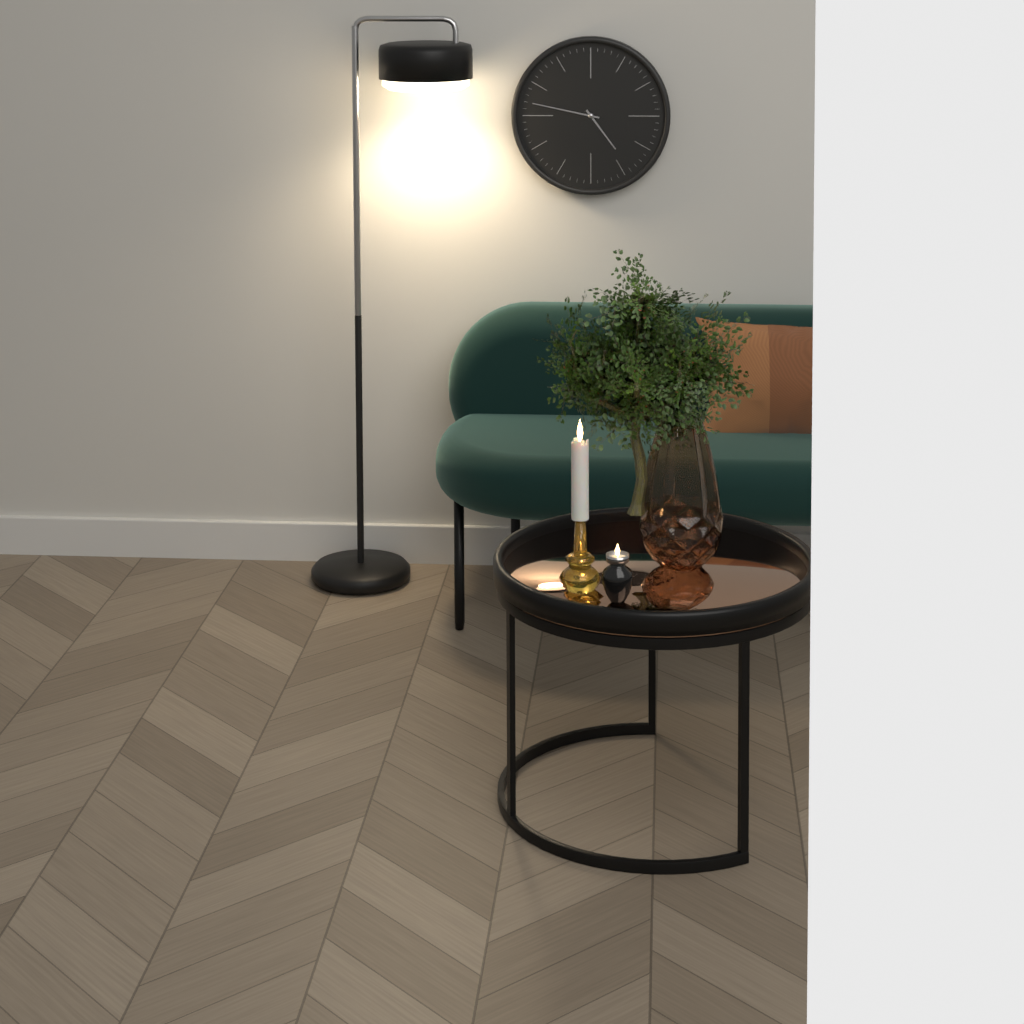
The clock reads 4,47
